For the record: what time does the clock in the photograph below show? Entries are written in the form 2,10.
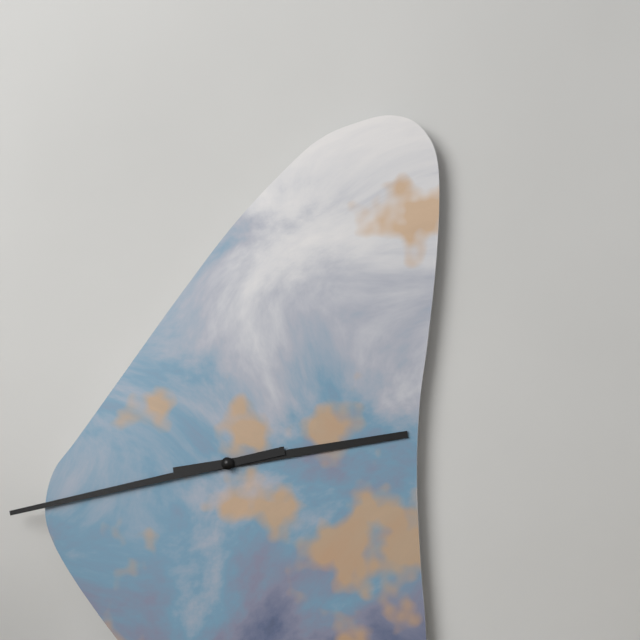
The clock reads 2,43
